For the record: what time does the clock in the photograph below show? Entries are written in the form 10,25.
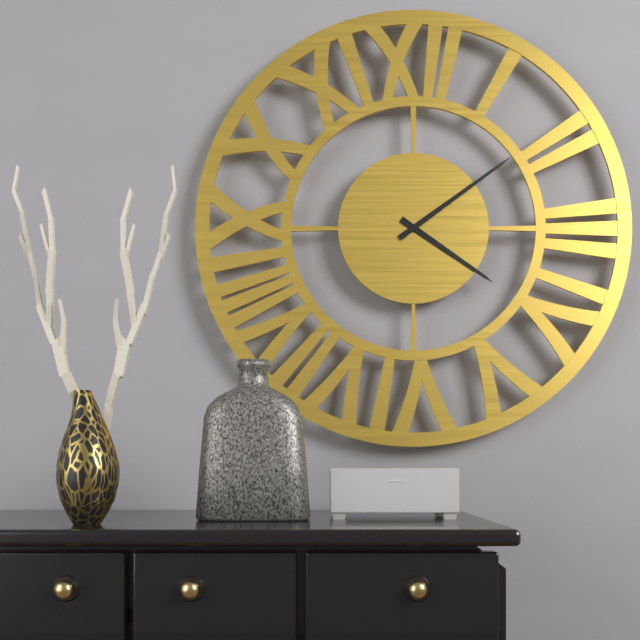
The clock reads 4,09
